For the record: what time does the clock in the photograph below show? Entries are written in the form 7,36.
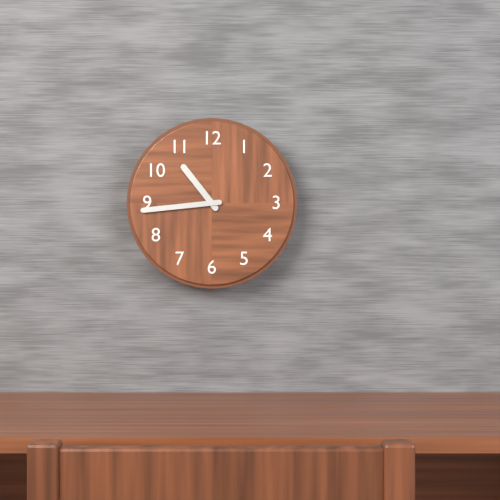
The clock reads 10,44
